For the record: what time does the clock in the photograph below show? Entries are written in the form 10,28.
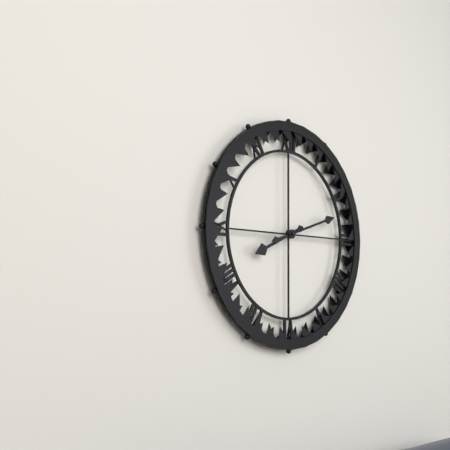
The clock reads 8,12
